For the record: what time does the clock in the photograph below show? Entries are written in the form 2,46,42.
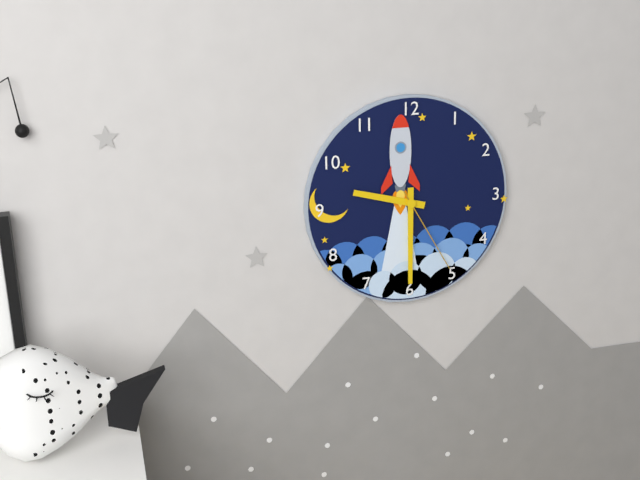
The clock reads 9,30,25
